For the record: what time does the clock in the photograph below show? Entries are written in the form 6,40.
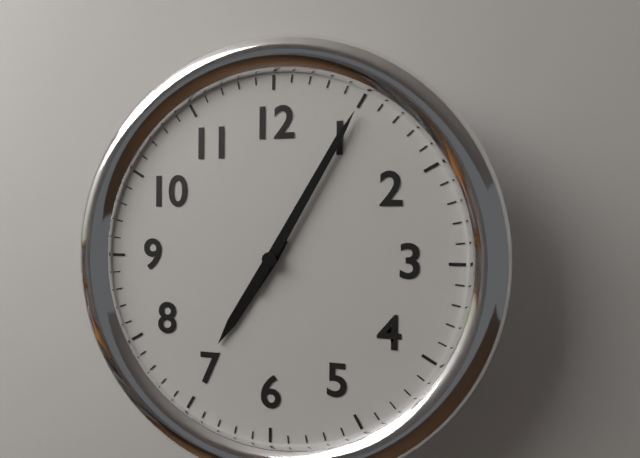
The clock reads 7,05
